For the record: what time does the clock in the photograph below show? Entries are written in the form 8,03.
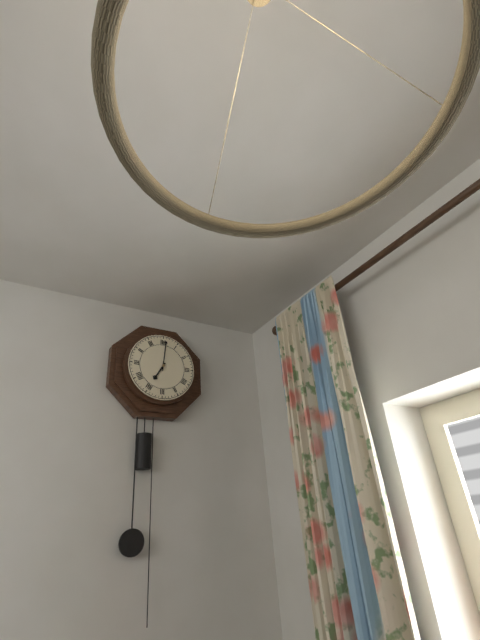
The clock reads 7,01
